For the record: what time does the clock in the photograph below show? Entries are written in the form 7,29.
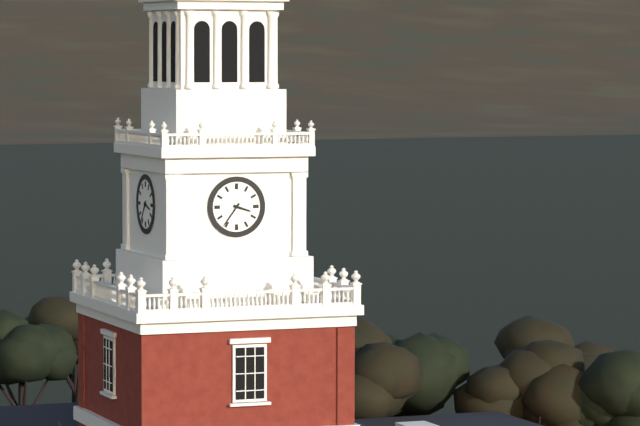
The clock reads 3,36
